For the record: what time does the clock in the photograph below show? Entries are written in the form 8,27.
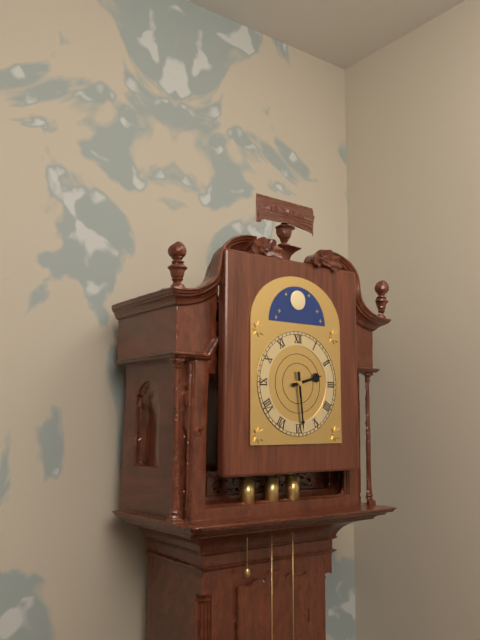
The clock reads 2,29
